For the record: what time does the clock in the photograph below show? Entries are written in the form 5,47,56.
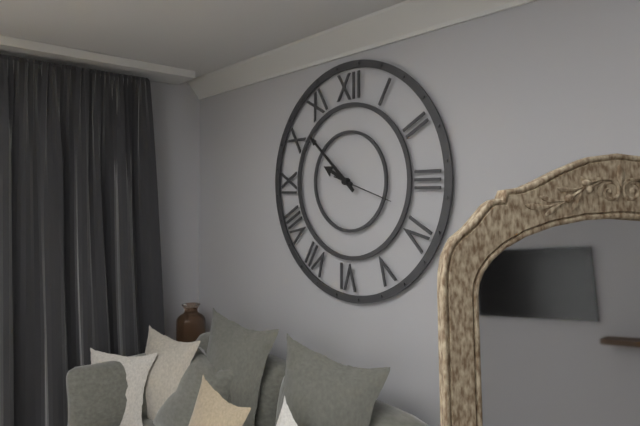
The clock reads 9,52,18
